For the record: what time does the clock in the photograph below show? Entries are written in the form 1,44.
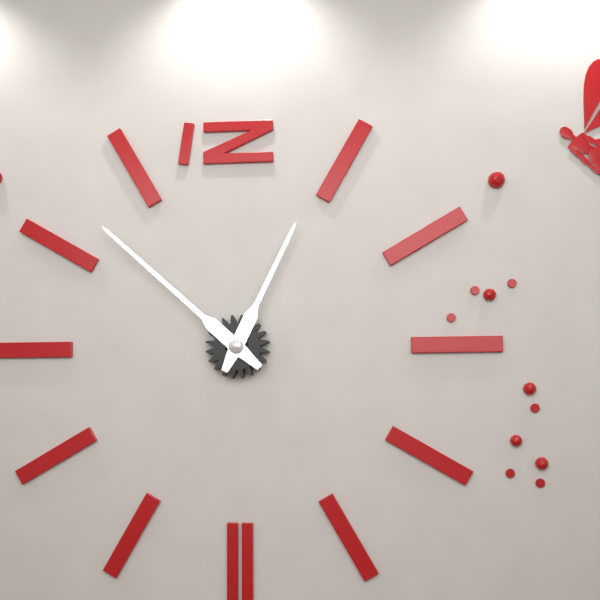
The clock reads 12,52
